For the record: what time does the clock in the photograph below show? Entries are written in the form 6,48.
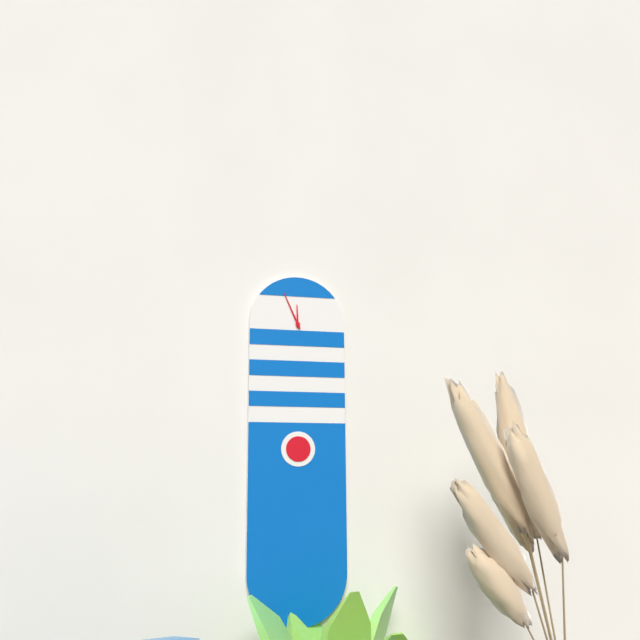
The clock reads 11,56
